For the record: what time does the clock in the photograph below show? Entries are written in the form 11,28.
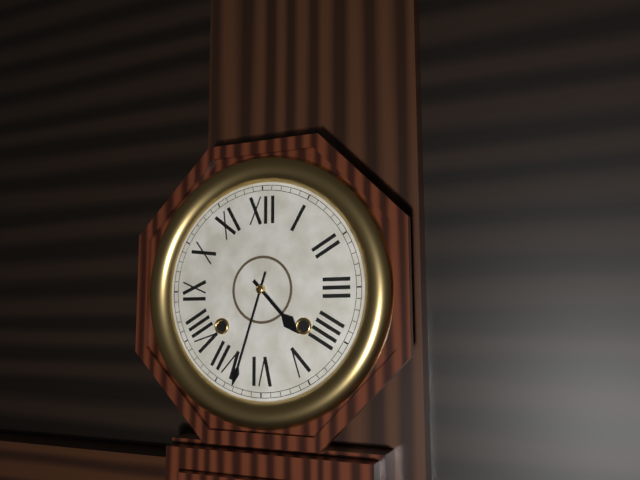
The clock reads 4,33
